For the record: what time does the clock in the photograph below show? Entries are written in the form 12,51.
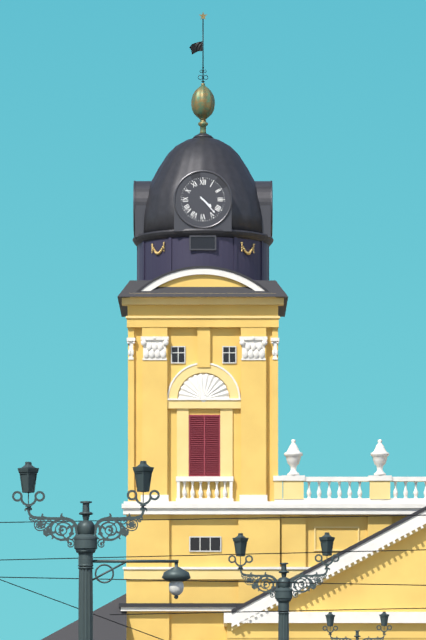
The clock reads 4,23
